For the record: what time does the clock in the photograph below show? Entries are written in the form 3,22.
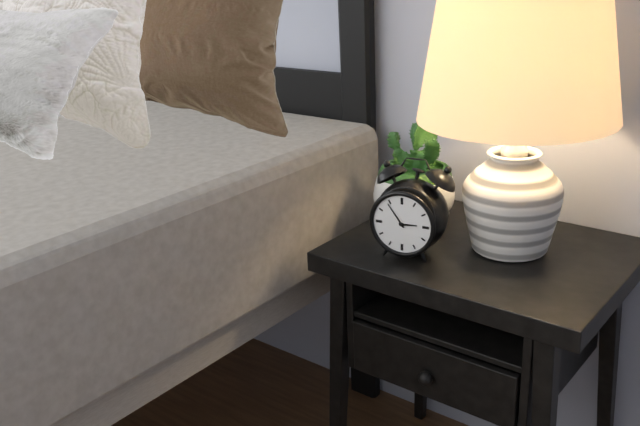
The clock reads 2,54
